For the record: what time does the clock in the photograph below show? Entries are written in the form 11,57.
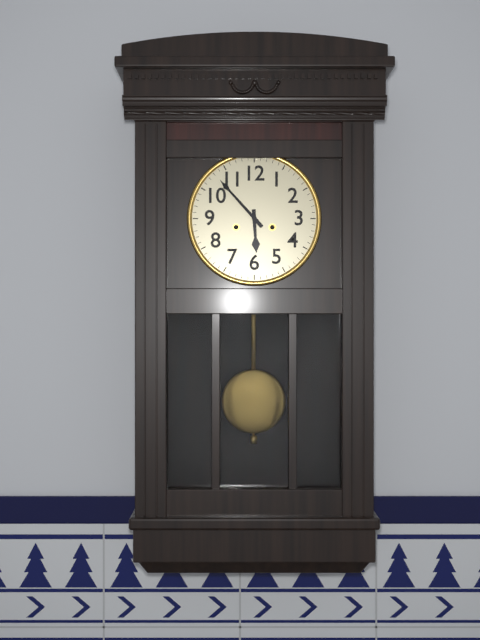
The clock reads 5,53
